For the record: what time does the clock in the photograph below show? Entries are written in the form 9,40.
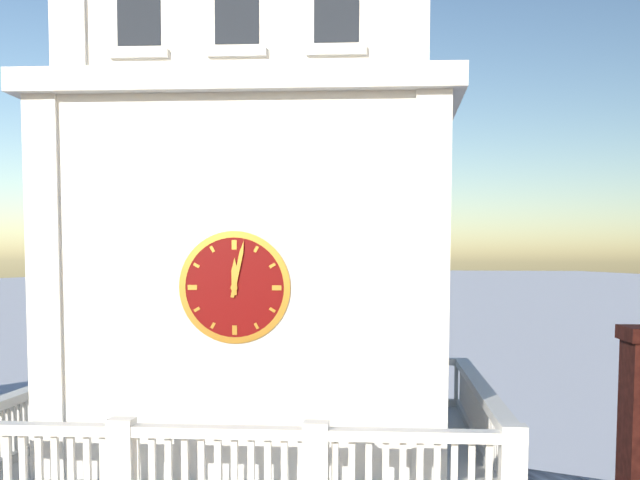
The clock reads 12,02
